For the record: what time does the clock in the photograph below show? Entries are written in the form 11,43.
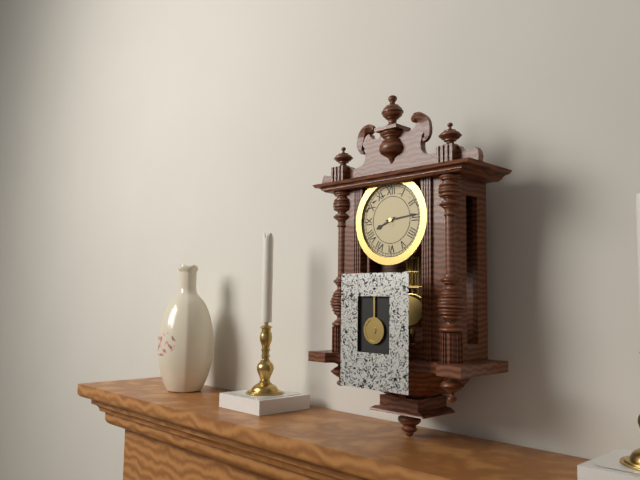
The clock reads 8,14
